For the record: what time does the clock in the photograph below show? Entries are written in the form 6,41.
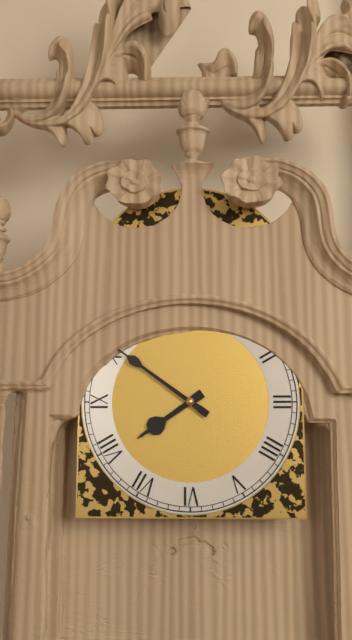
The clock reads 7,51
